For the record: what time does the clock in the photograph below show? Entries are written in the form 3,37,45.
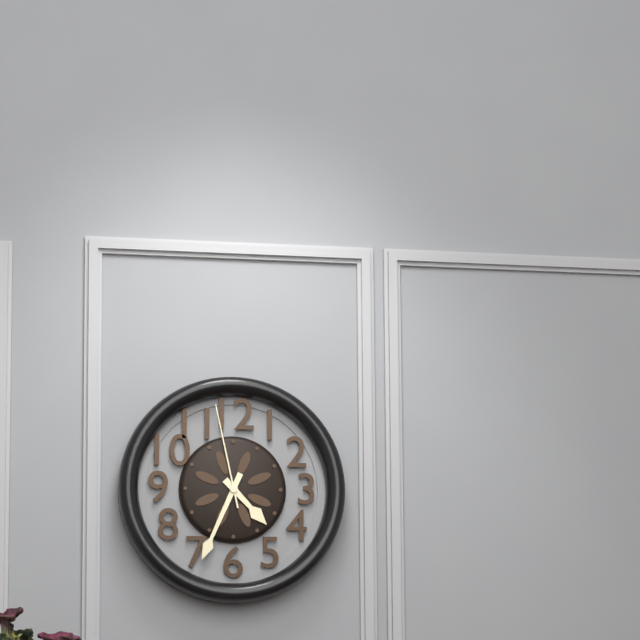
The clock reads 4,34,58
